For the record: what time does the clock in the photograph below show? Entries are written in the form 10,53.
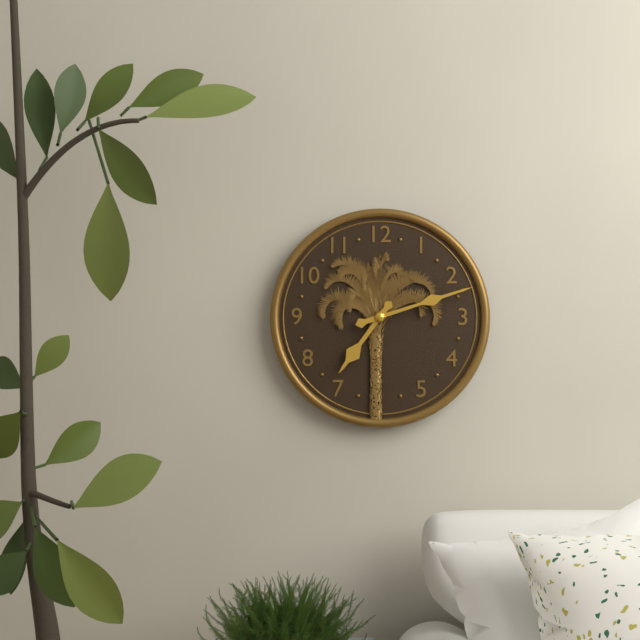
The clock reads 7,12
